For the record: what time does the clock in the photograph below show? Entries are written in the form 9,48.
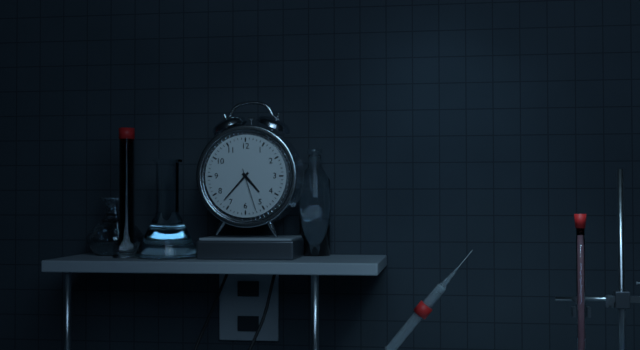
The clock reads 4,37
